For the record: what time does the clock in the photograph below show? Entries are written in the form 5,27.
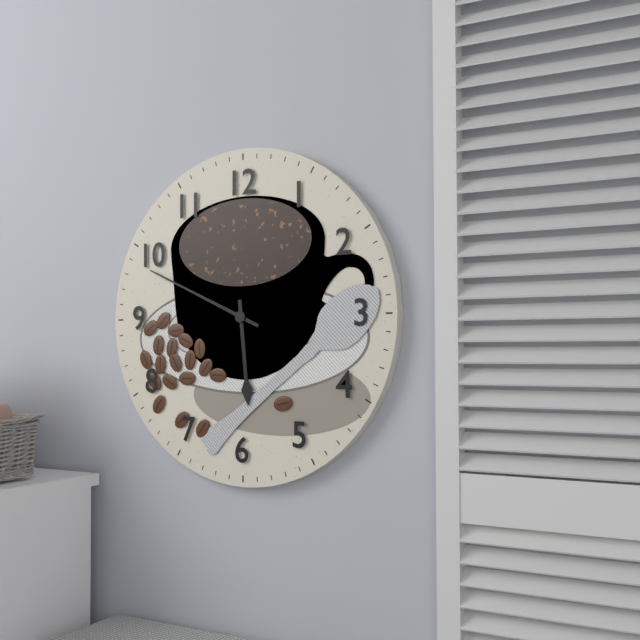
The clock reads 5,49
